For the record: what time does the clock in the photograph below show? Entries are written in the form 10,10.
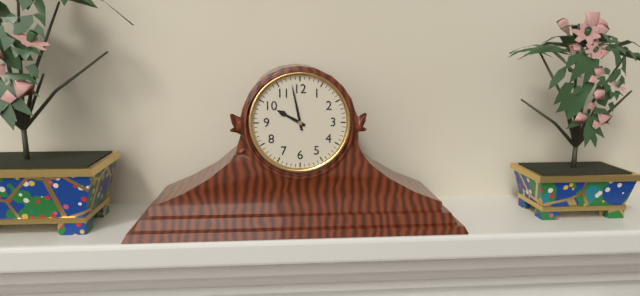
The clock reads 9,58
